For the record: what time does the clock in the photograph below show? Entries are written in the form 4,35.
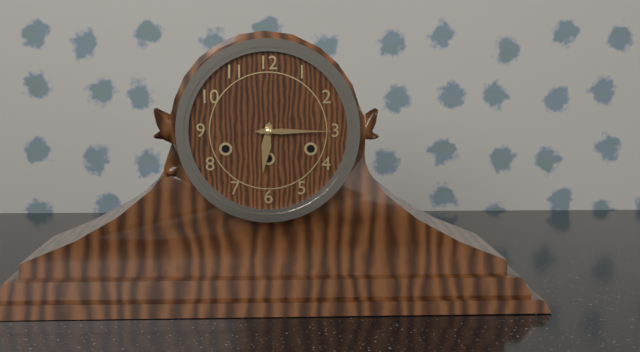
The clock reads 6,15
